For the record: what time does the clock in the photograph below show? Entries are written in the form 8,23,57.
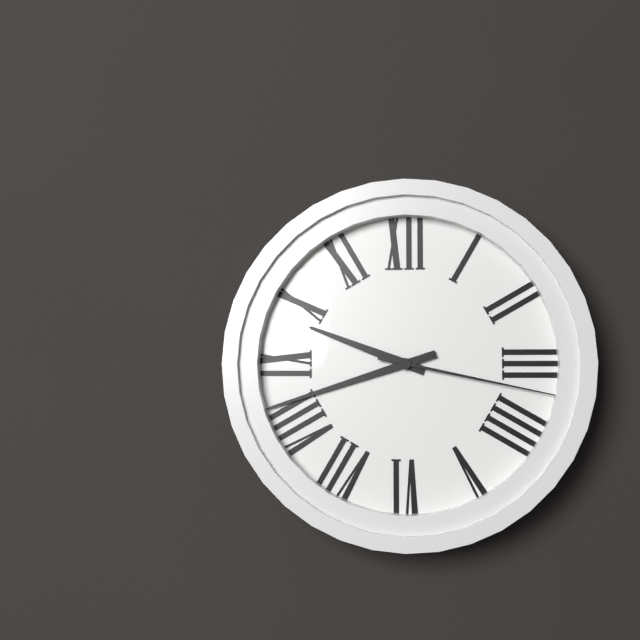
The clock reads 9,42,17
